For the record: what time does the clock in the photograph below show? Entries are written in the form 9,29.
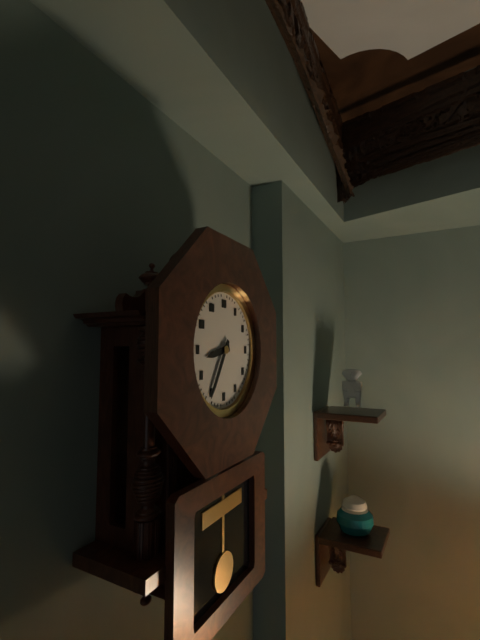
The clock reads 8,35
